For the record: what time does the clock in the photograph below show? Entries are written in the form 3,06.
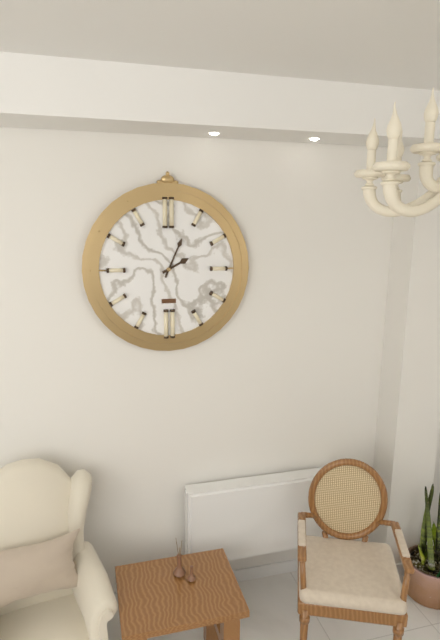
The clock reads 2,04
